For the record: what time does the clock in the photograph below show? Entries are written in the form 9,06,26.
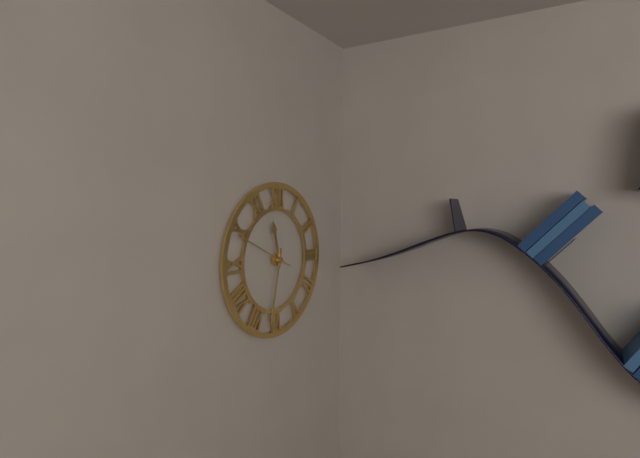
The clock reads 11,32,49
